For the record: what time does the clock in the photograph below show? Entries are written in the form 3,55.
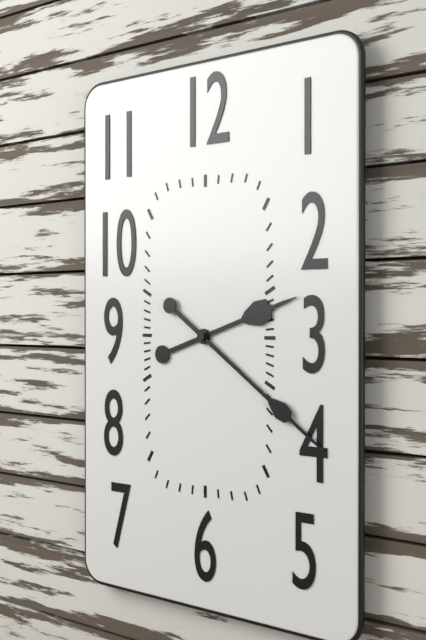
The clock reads 2,21
